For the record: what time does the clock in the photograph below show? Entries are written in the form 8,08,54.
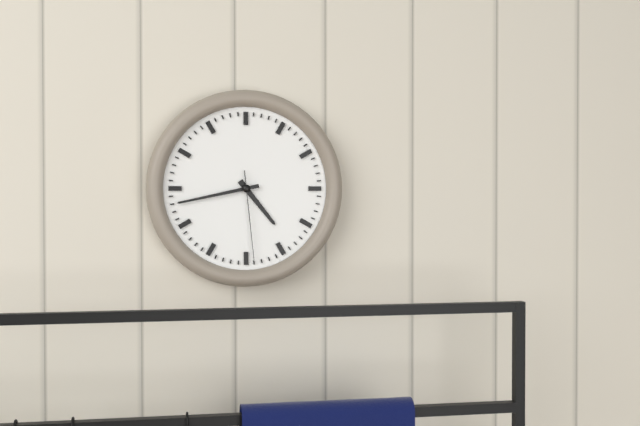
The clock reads 4,43,29
